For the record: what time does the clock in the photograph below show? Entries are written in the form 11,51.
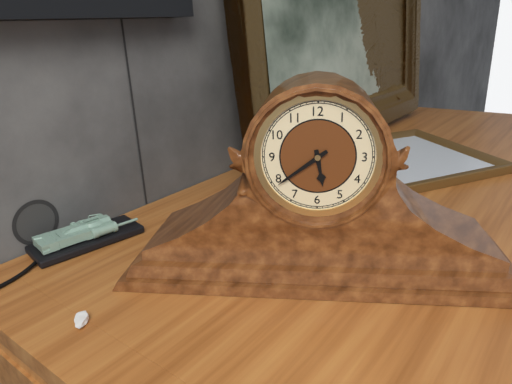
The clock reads 5,39
